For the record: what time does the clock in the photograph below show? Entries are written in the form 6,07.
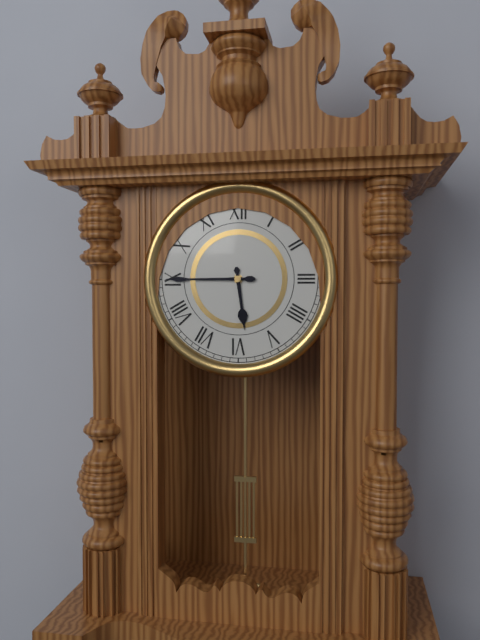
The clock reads 5,45
